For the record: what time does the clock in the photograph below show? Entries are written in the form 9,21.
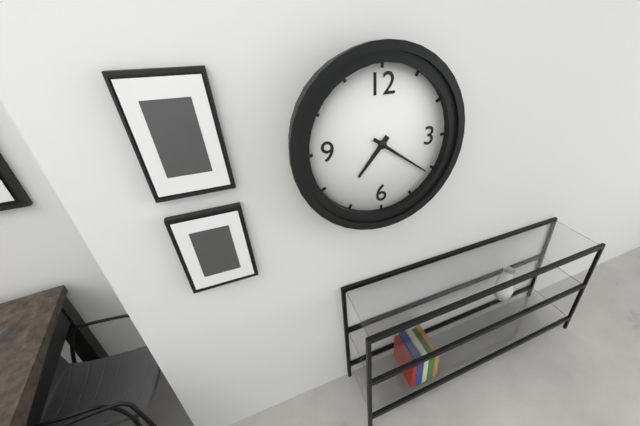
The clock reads 7,21
